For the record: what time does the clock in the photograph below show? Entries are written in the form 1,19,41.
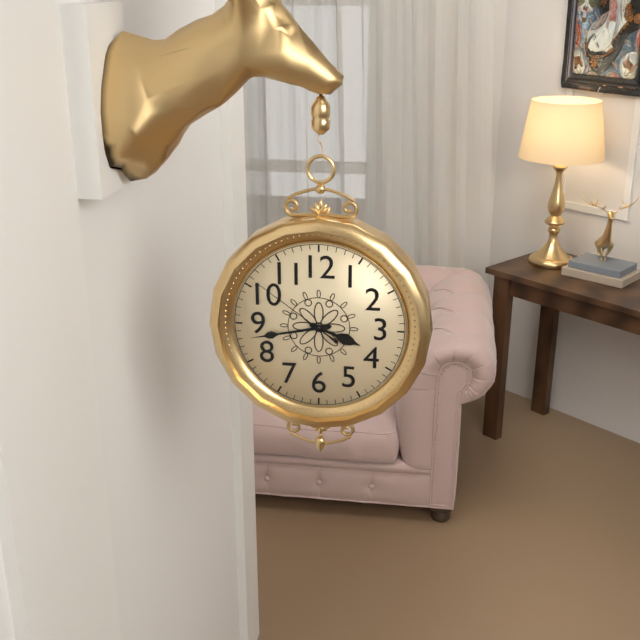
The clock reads 3,43,51
